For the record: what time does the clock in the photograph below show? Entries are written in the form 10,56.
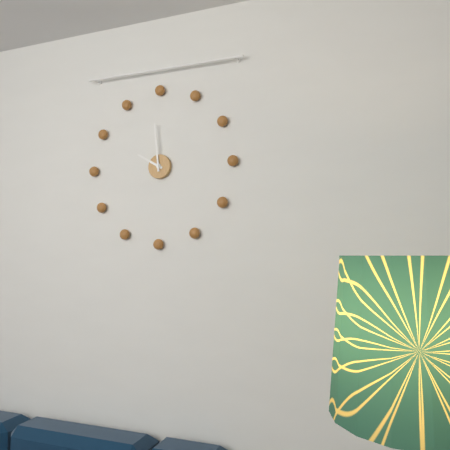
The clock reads 9,59
